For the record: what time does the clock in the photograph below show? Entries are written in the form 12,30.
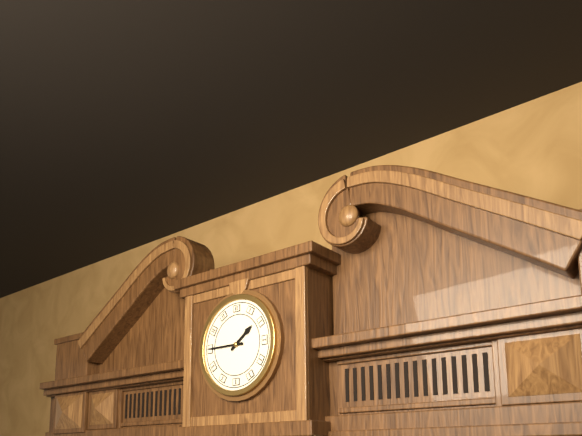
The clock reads 1,45
